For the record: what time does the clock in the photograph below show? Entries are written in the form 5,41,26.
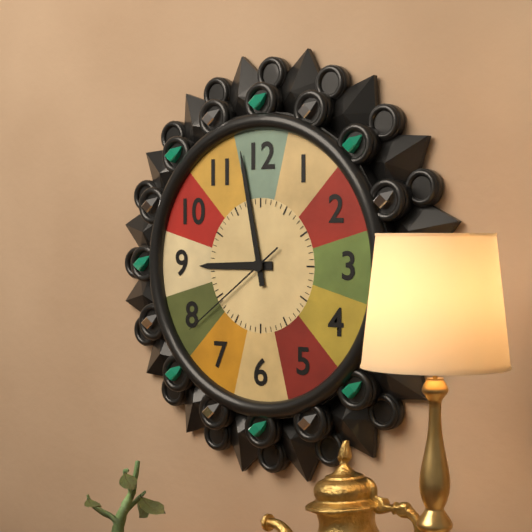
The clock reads 8,58,39
